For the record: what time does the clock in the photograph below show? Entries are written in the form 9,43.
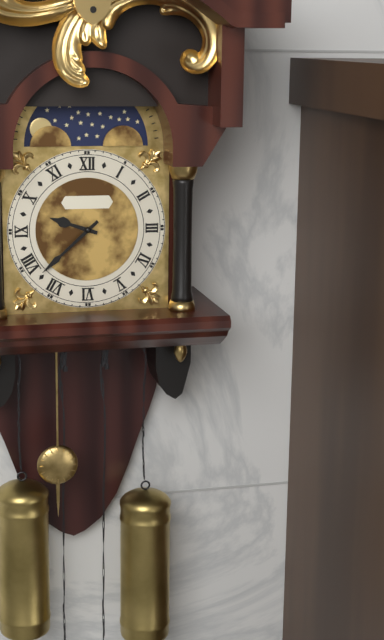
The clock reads 9,38
